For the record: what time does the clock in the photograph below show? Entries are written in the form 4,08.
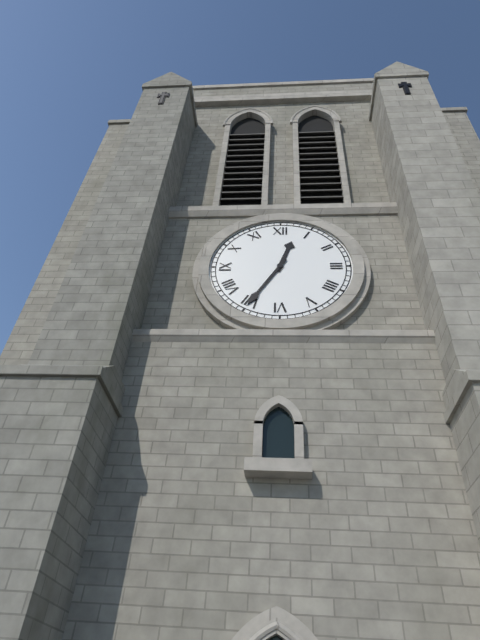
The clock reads 12,35
